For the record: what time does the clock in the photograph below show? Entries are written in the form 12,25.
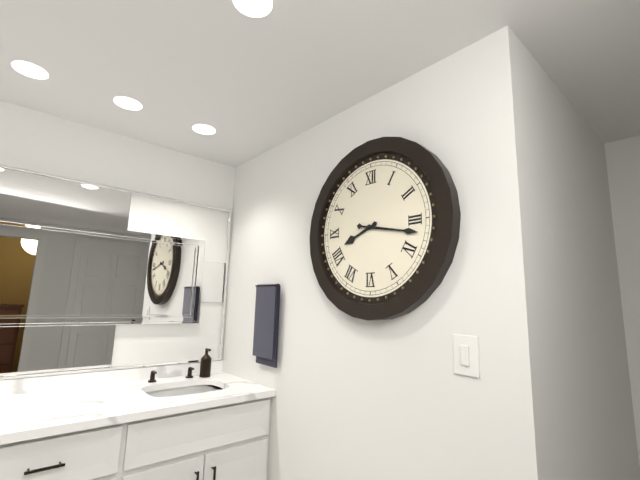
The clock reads 8,17
